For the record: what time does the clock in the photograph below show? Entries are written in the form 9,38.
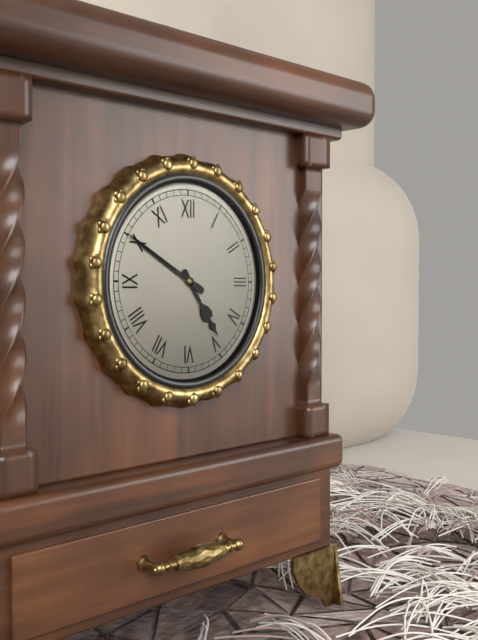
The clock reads 4,50
